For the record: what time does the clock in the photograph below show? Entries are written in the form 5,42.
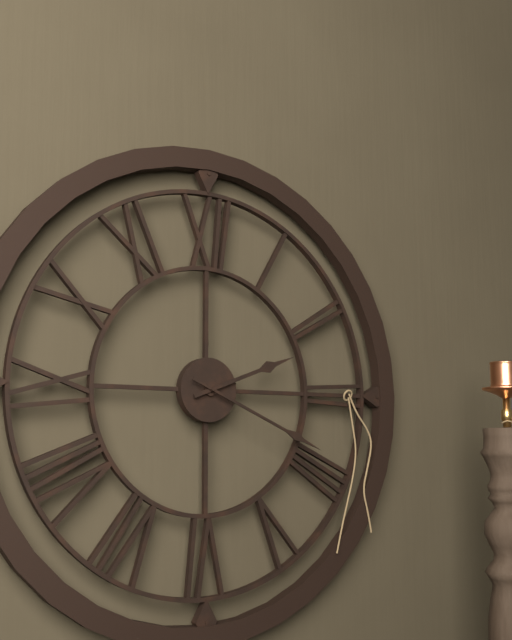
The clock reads 2,19
